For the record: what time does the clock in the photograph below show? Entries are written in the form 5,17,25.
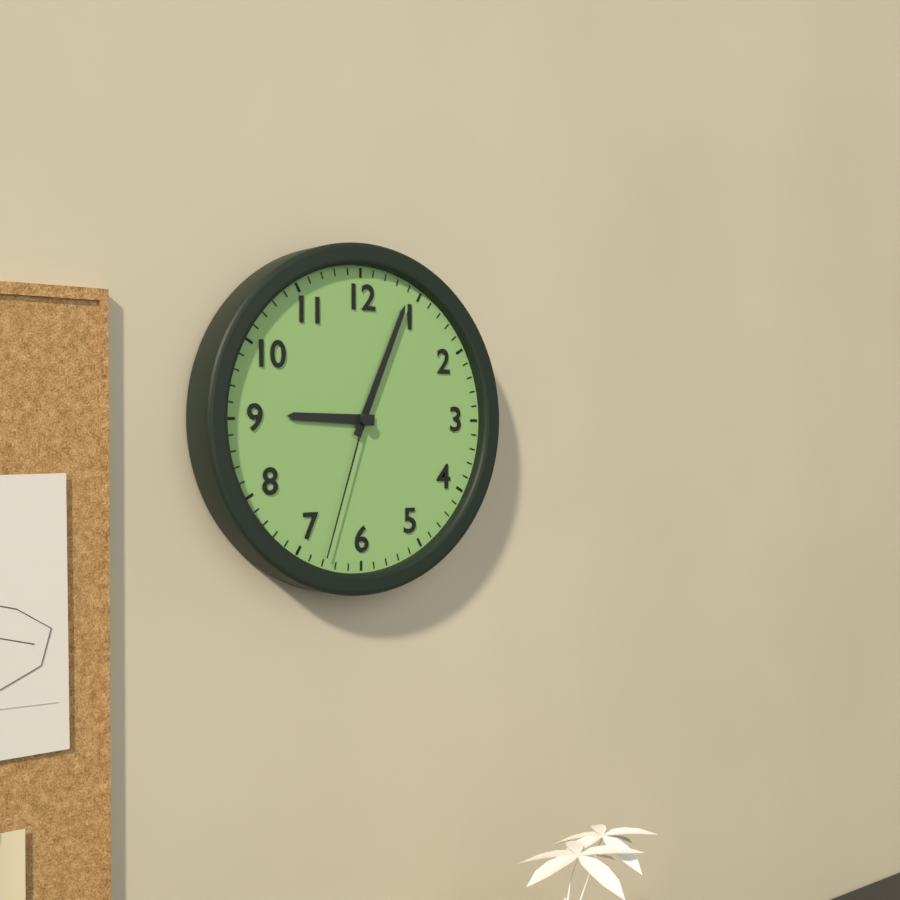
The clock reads 9,04,33
